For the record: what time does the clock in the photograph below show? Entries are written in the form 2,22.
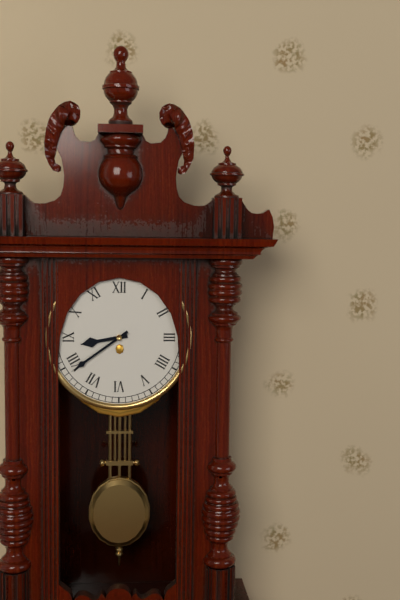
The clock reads 8,39
